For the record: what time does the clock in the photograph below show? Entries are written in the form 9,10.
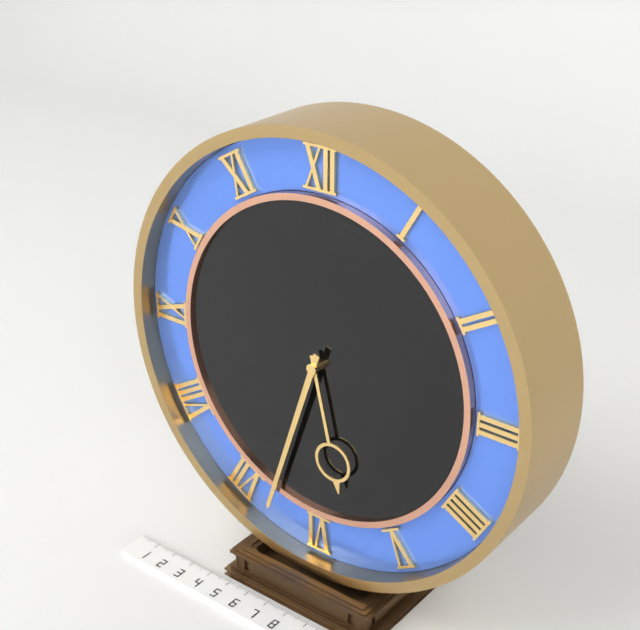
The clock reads 5,33
